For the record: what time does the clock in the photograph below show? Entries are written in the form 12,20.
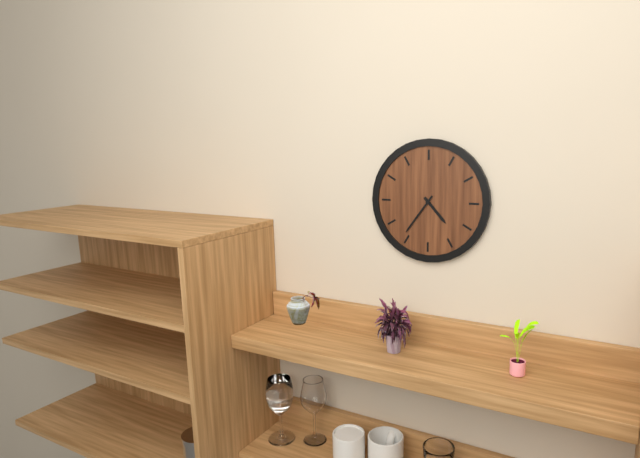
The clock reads 4,36
